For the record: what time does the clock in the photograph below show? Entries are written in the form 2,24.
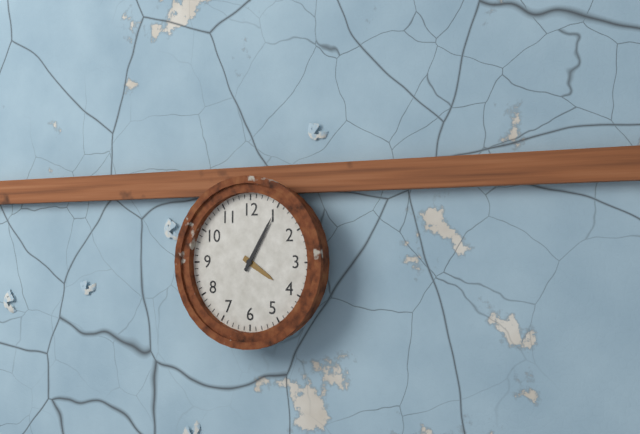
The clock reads 4,05
